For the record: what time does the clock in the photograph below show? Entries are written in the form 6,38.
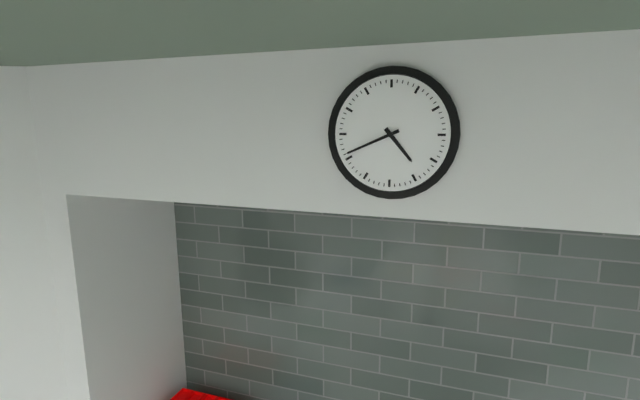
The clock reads 4,41
